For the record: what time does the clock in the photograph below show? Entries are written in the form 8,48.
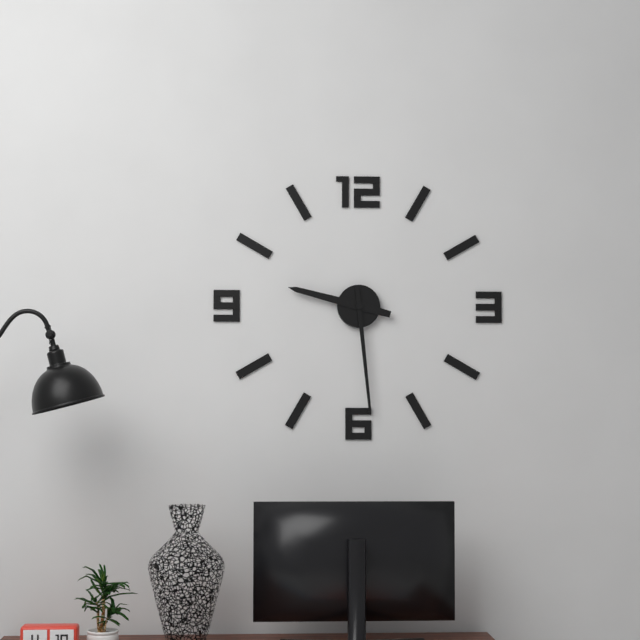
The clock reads 9,29
